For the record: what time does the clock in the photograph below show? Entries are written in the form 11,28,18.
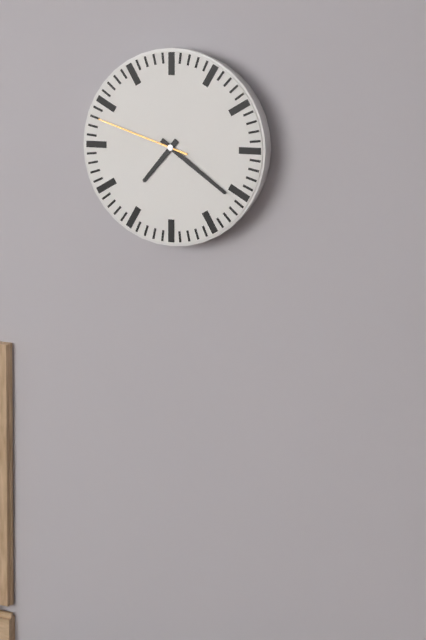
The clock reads 7,21,48
